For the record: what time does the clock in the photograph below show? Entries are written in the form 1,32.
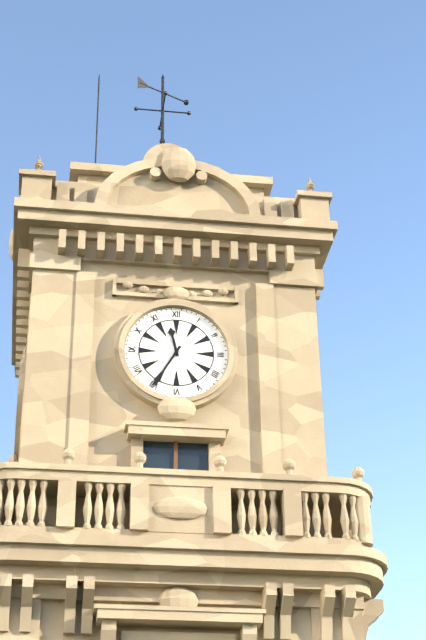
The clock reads 11,35
